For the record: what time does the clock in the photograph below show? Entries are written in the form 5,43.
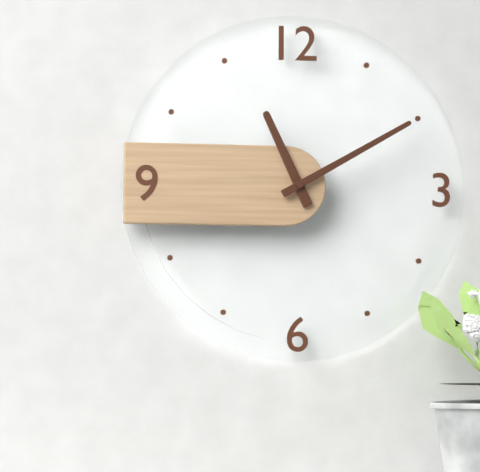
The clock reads 11,10
